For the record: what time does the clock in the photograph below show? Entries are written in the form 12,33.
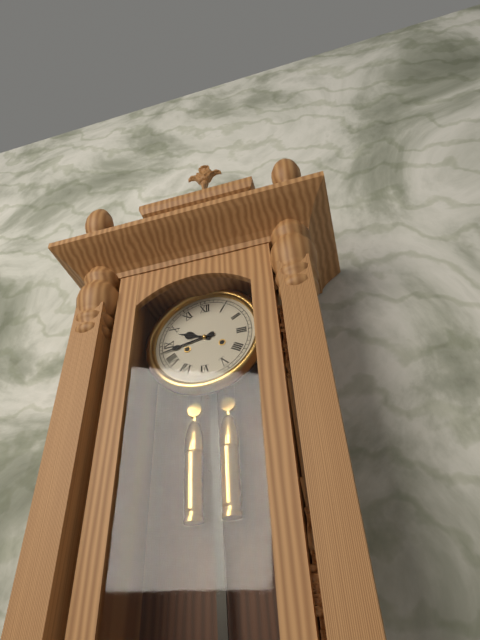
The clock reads 9,43
